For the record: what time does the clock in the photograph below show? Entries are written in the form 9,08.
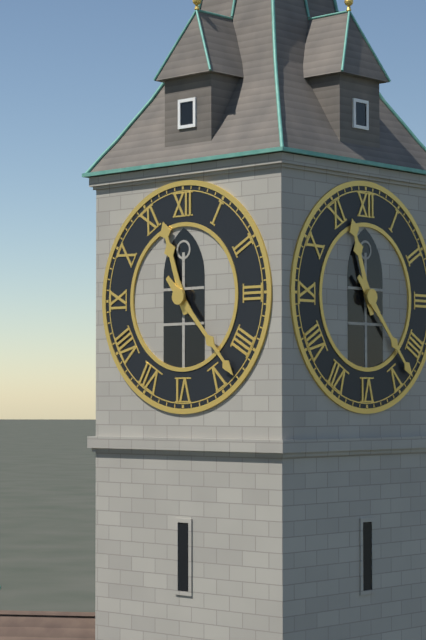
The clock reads 11,23
